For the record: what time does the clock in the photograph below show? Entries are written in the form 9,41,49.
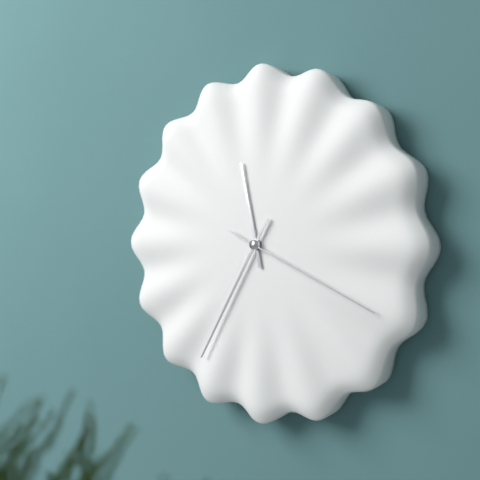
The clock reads 11,35,19
